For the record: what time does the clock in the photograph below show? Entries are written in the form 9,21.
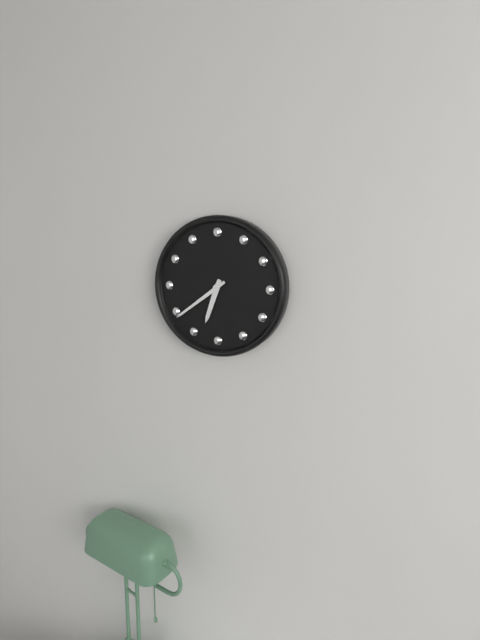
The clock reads 6,39
